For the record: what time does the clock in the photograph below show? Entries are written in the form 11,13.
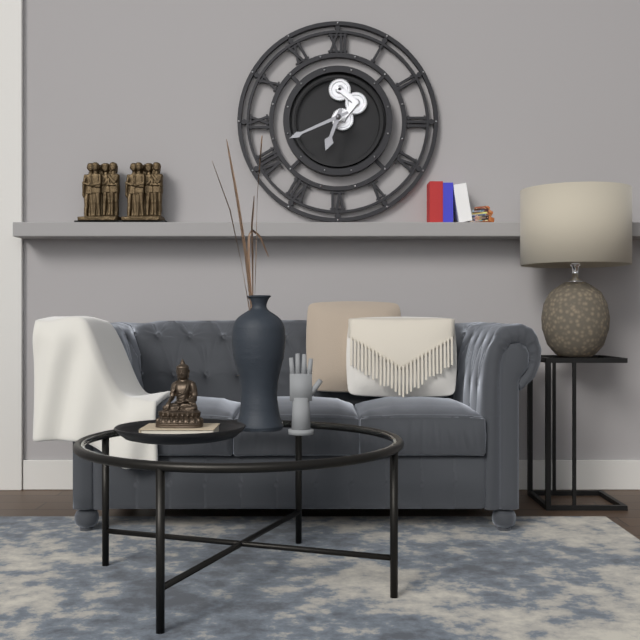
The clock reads 6,41
